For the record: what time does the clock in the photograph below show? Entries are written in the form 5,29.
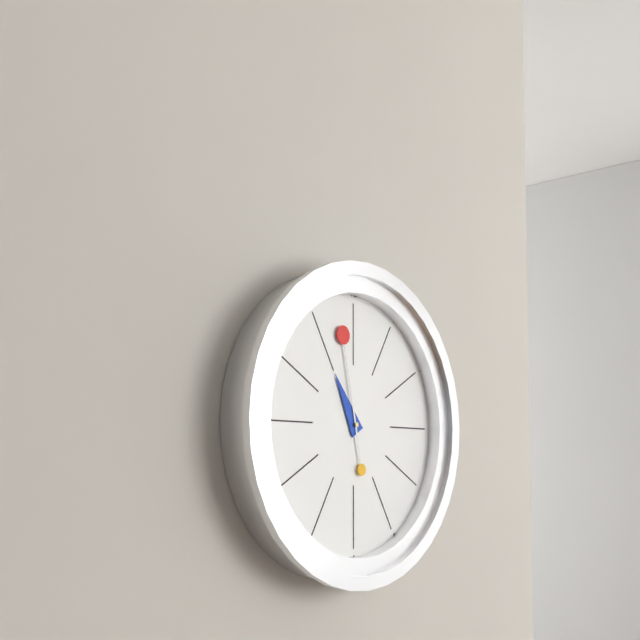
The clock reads 10,58
